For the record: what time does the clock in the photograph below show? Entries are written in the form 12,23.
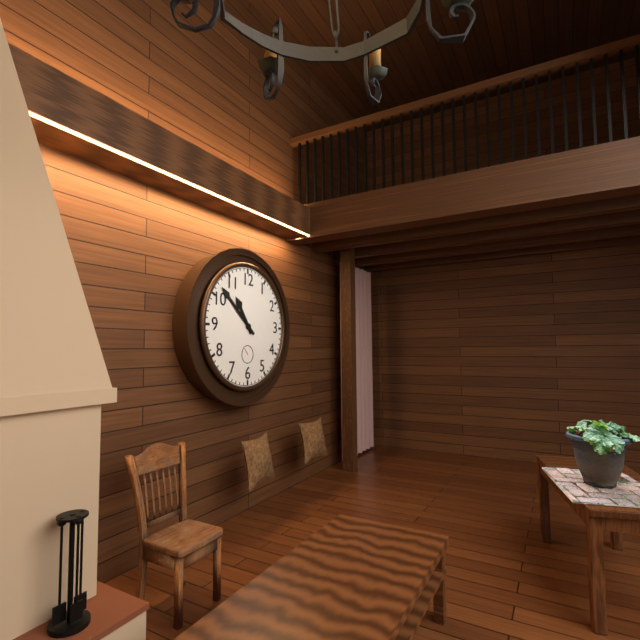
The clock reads 10,52
